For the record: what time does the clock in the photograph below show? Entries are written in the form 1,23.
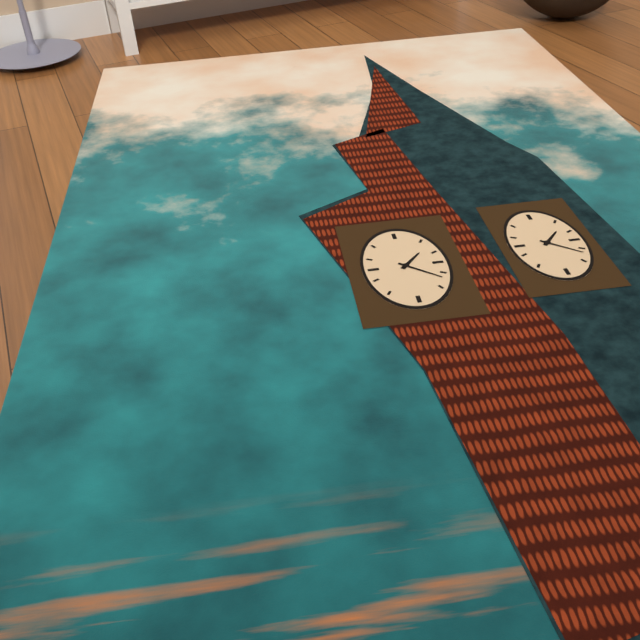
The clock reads 1,22
